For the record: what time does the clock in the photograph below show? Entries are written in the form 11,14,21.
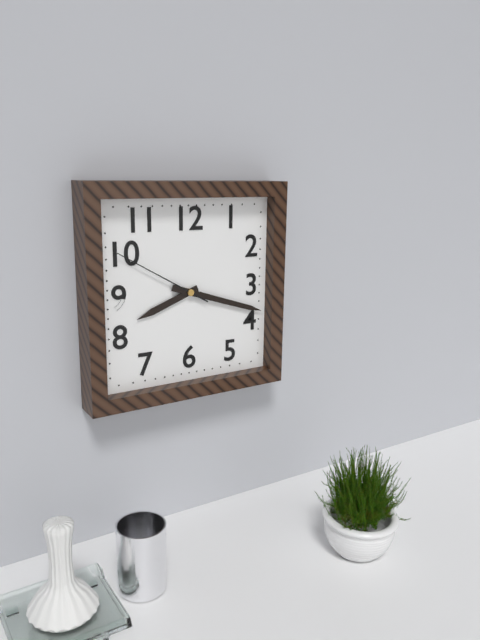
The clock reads 8,18,50
